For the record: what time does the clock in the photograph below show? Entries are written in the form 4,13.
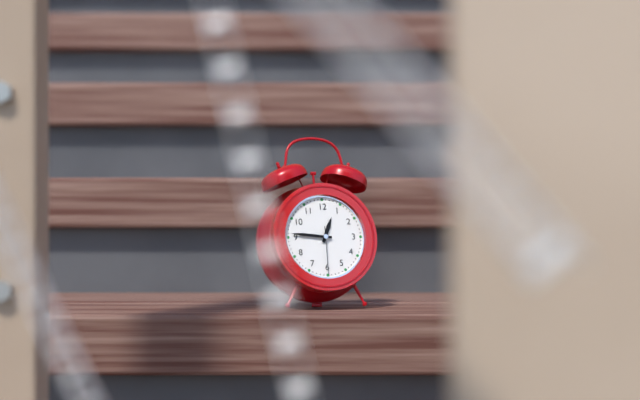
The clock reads 12,46
